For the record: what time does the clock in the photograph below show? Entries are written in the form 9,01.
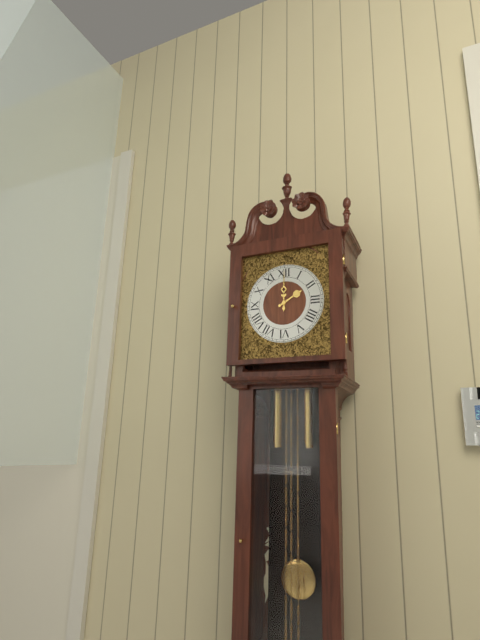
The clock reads 2,00
